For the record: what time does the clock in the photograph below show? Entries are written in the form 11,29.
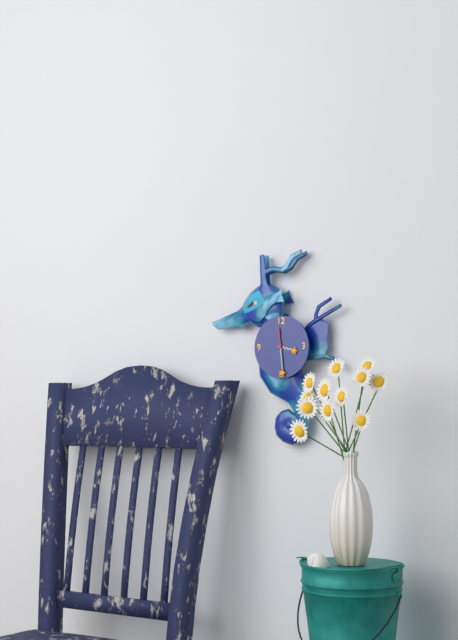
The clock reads 3,29
